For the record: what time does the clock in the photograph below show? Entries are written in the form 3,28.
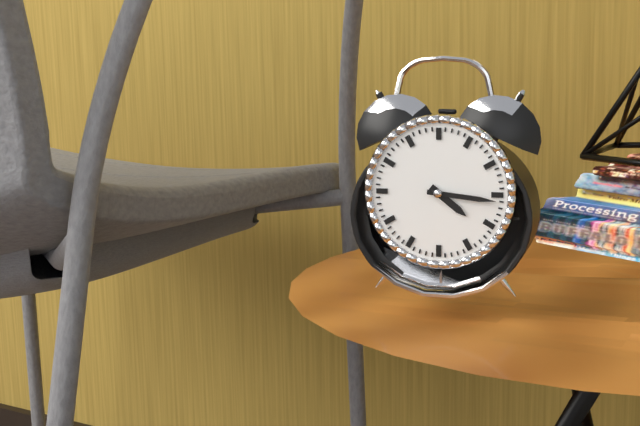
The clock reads 4,16
